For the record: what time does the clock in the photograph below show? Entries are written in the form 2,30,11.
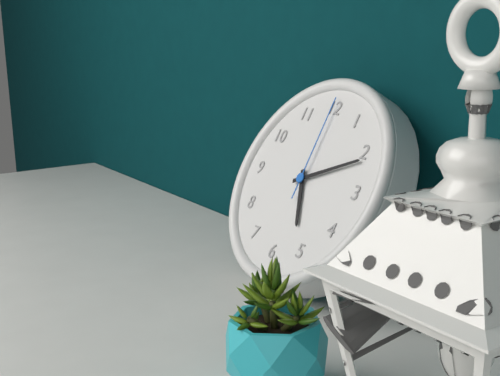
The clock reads 5,11,00
